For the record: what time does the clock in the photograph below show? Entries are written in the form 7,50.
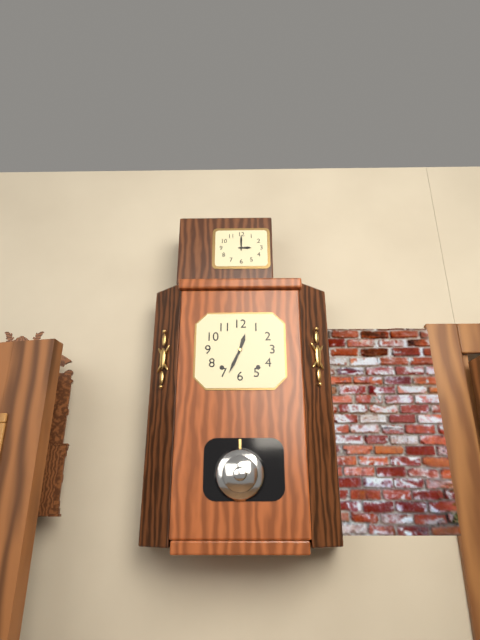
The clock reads 12,34
